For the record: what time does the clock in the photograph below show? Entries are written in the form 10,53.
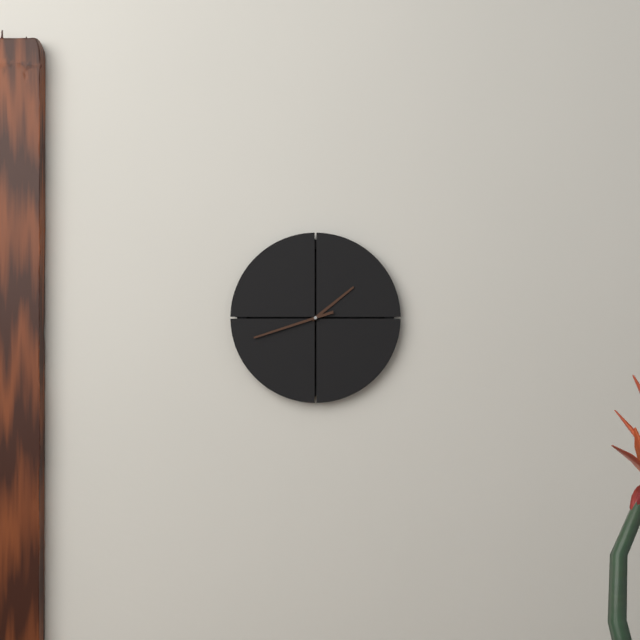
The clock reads 1,42
